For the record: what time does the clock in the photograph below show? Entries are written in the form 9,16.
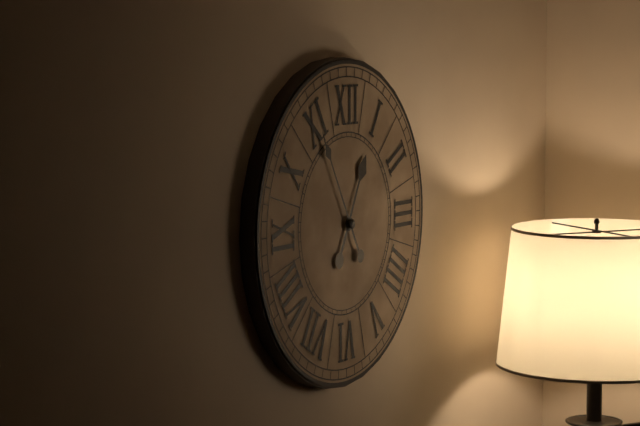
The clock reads 12,55
